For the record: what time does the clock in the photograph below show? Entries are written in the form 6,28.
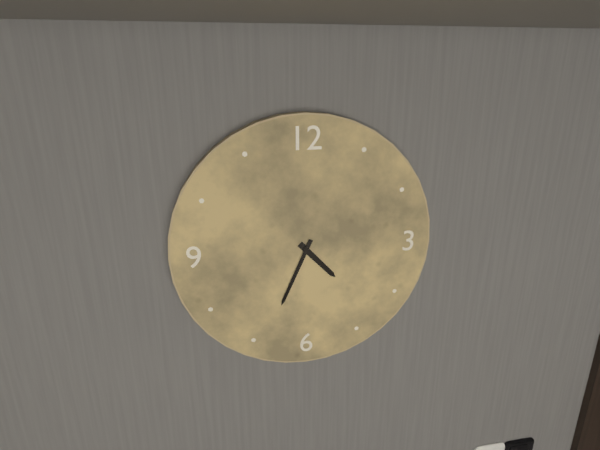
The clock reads 4,34
